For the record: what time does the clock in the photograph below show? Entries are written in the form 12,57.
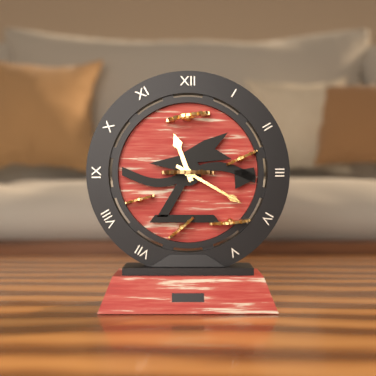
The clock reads 11,20
